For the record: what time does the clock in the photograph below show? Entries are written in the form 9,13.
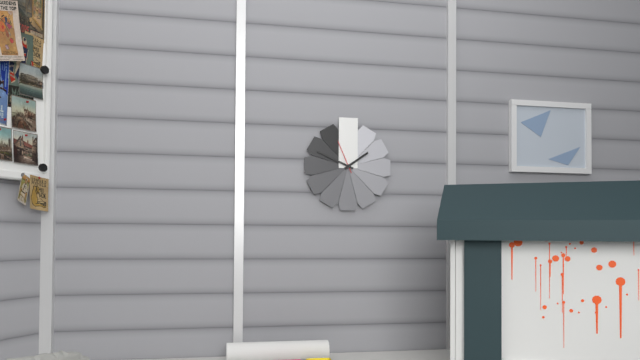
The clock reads 1,49
